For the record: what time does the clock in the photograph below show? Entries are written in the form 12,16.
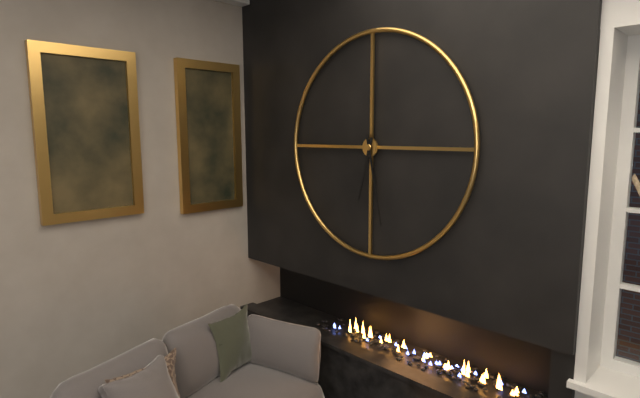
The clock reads 6,28
